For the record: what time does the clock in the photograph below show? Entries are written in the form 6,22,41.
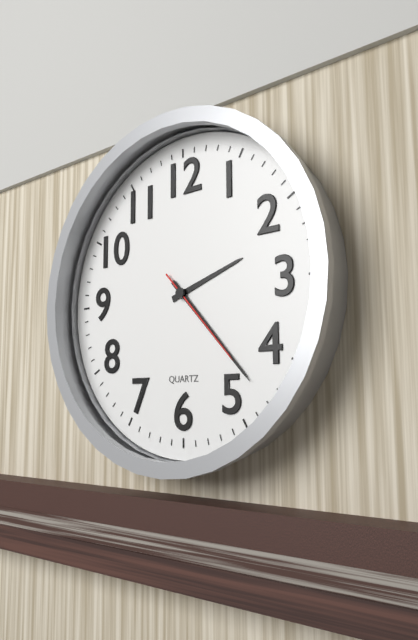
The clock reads 2,23,23
